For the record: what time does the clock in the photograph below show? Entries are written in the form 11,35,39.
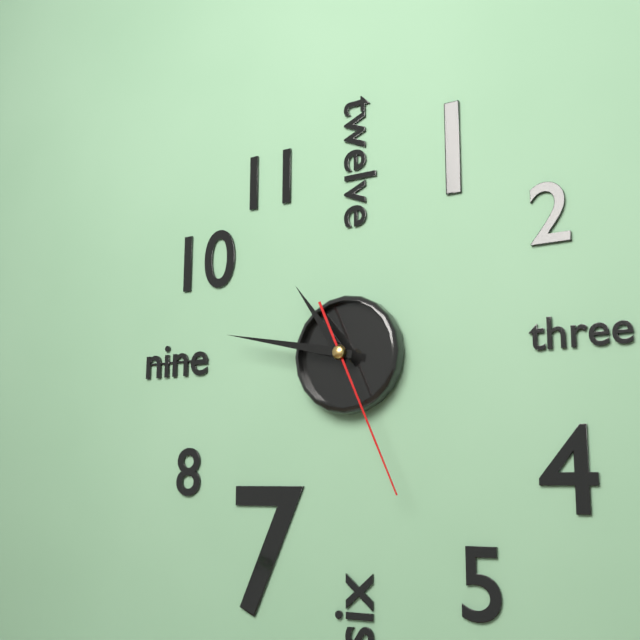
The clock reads 10,47,26
